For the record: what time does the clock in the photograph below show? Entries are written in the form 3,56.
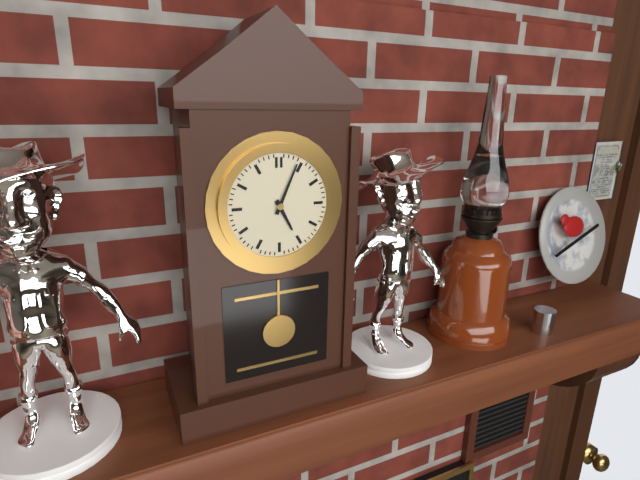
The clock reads 5,04
